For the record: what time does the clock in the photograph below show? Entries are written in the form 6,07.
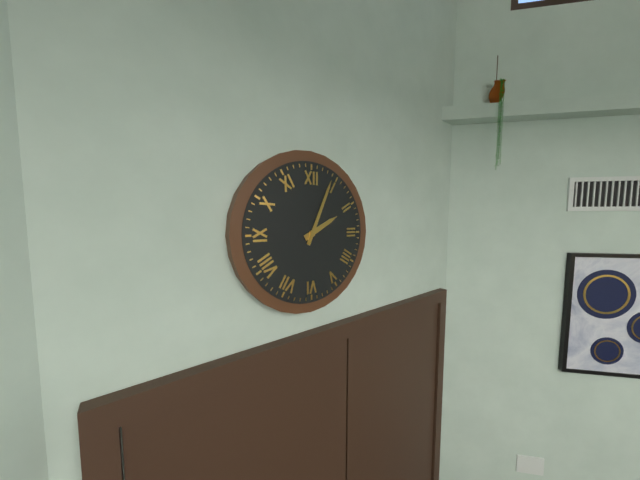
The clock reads 2,04
